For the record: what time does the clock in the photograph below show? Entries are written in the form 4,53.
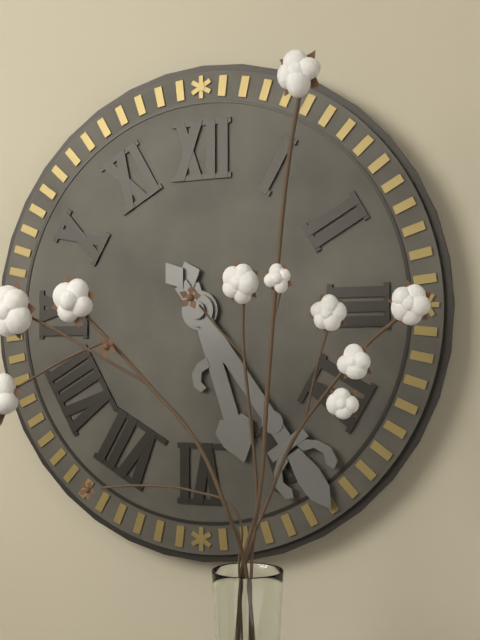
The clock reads 5,24
